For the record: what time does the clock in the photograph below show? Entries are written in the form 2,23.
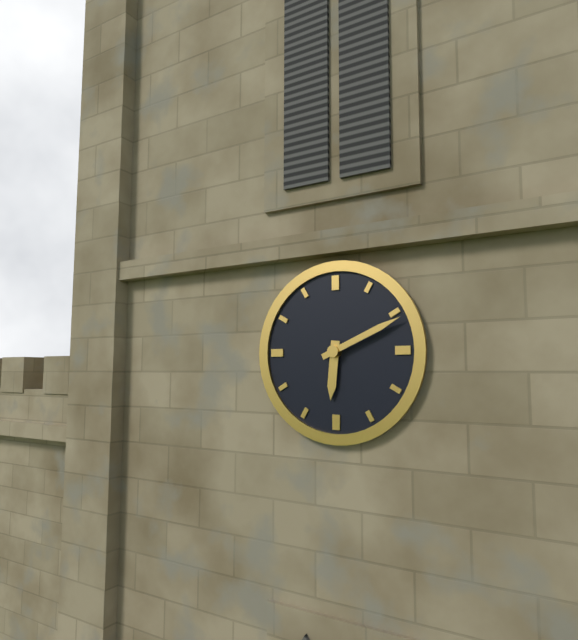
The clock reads 6,11
